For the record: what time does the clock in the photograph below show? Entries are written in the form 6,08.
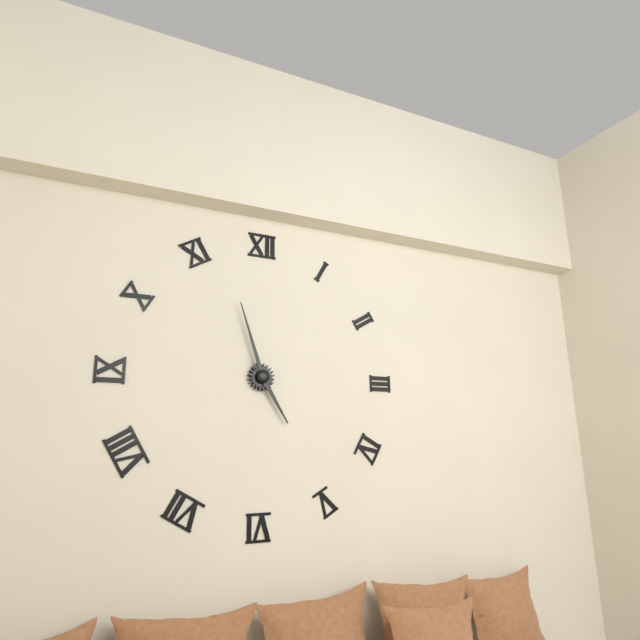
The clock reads 4,57
